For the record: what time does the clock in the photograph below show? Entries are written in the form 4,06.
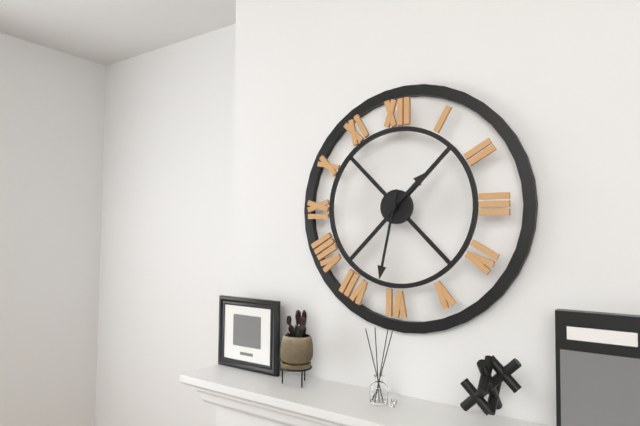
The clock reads 1,32
